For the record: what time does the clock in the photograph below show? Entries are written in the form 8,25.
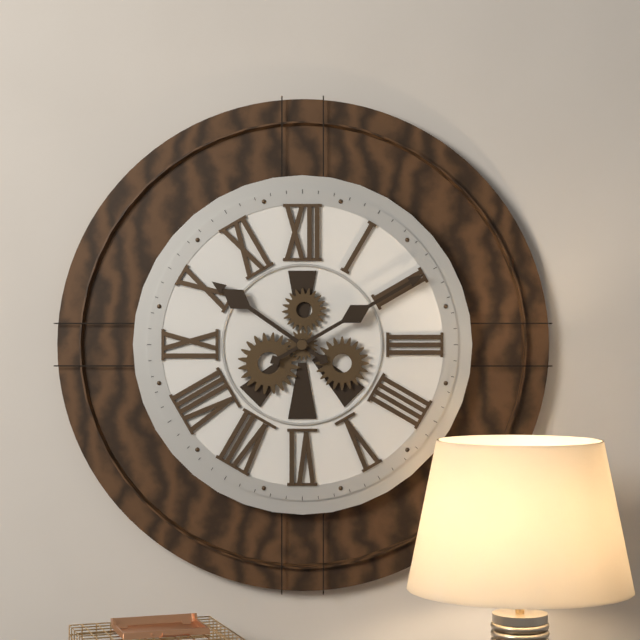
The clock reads 10,10
